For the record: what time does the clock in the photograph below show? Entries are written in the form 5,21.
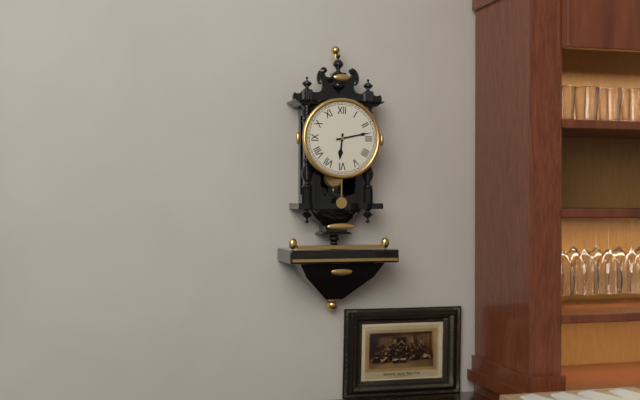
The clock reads 6,13
